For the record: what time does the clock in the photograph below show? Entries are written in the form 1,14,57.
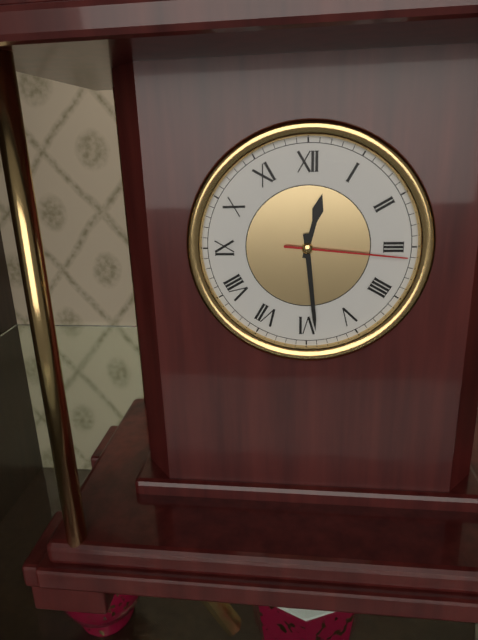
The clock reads 12,29,16
